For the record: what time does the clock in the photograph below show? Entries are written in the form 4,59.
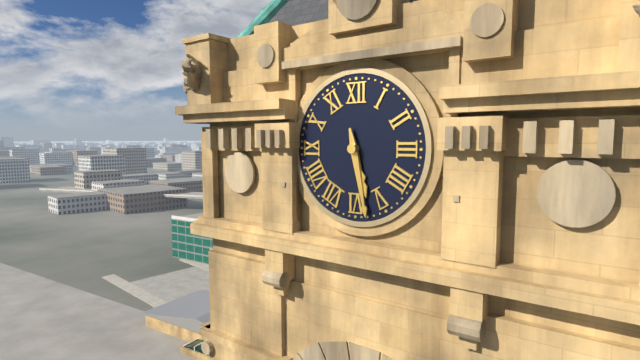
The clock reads 5,28
